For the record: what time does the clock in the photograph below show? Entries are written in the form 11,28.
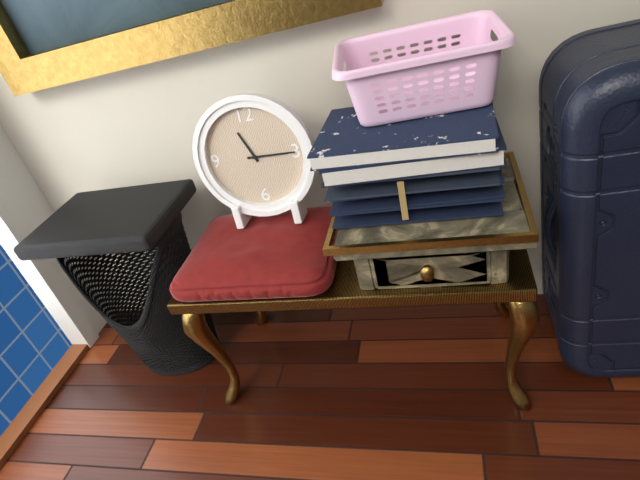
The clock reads 11,15
